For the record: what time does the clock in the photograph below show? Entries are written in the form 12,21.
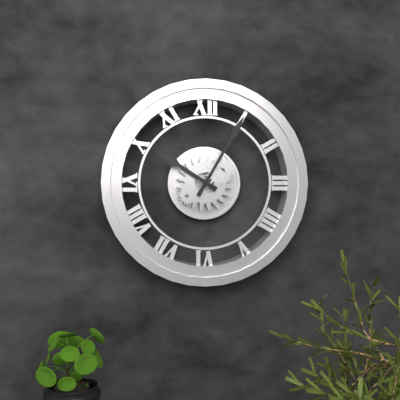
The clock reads 10,05
